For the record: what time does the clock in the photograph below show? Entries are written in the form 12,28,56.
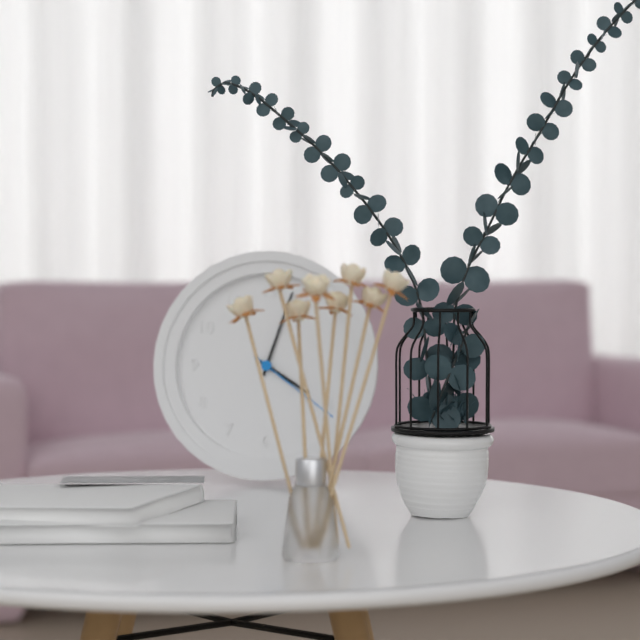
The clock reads 4,03,21
